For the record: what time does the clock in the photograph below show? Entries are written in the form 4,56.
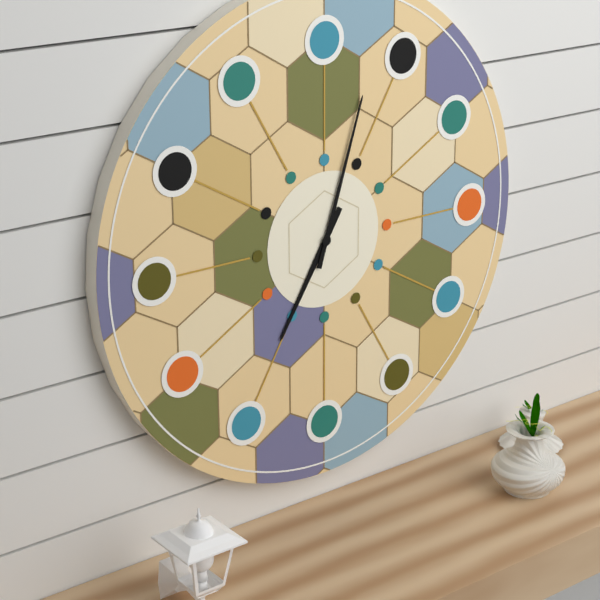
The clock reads 7,03
